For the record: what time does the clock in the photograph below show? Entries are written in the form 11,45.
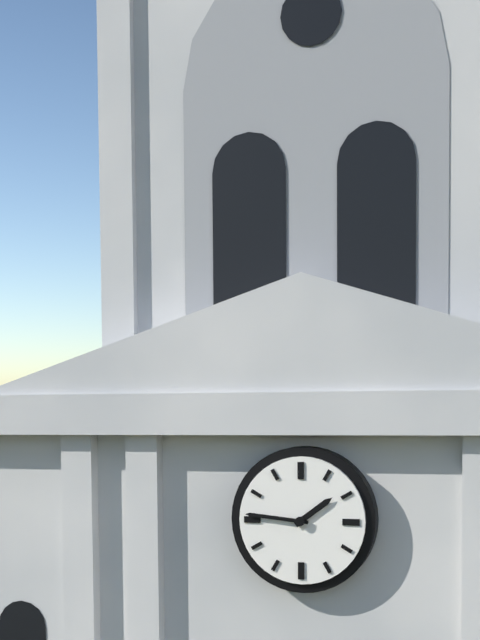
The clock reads 1,46
